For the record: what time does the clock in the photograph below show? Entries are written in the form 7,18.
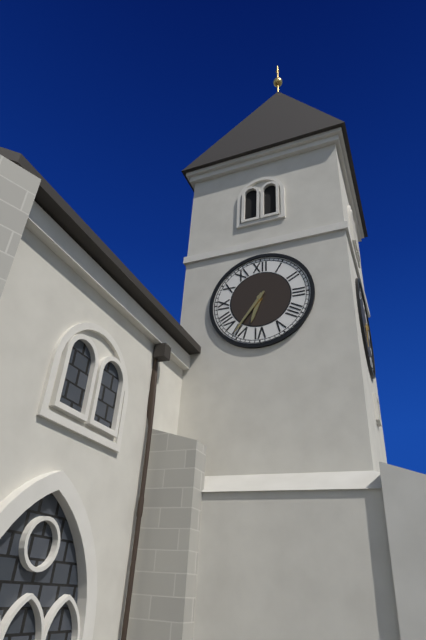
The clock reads 6,36
